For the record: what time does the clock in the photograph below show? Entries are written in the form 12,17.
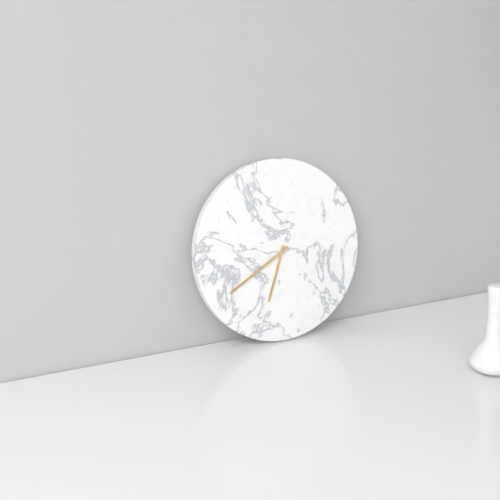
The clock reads 6,40
